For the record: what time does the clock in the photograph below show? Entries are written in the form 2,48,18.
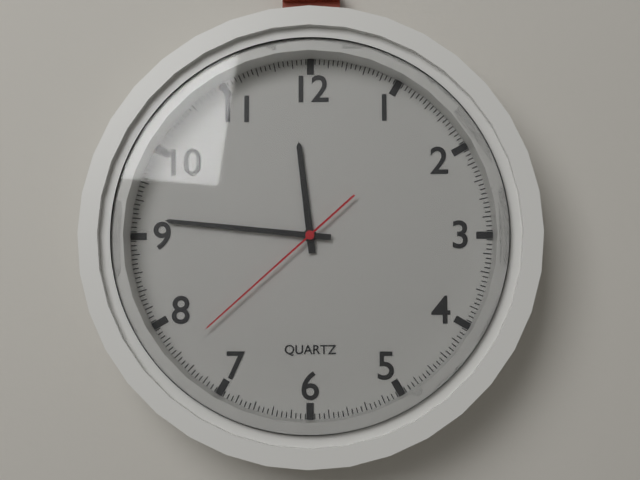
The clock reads 11,46,38
